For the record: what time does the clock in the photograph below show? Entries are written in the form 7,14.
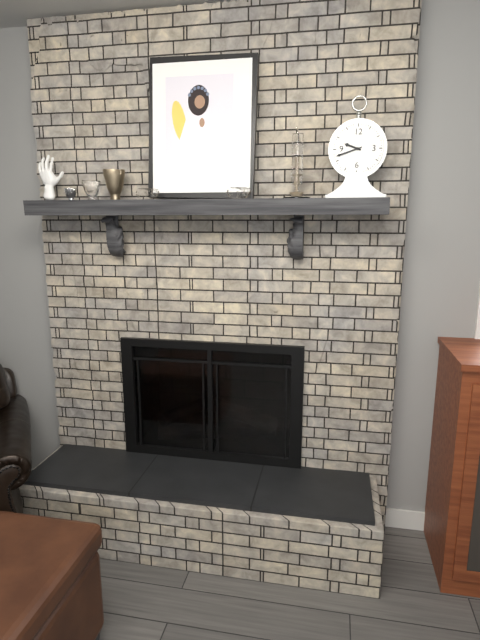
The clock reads 9,42
